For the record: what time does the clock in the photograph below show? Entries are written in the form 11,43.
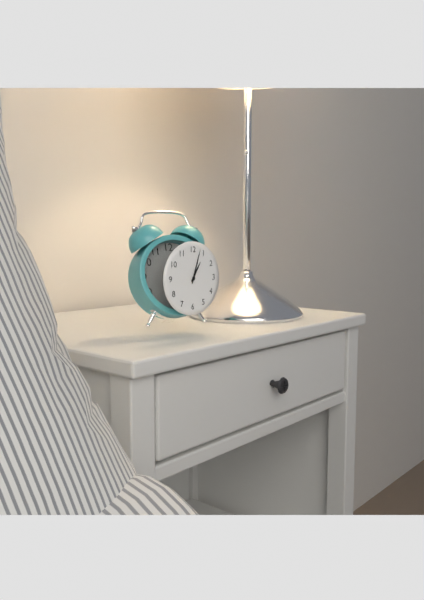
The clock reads 1,03
